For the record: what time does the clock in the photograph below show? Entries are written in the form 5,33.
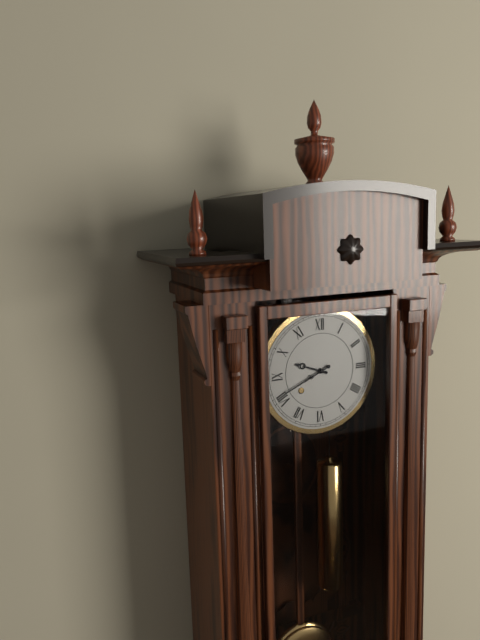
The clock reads 9,41
